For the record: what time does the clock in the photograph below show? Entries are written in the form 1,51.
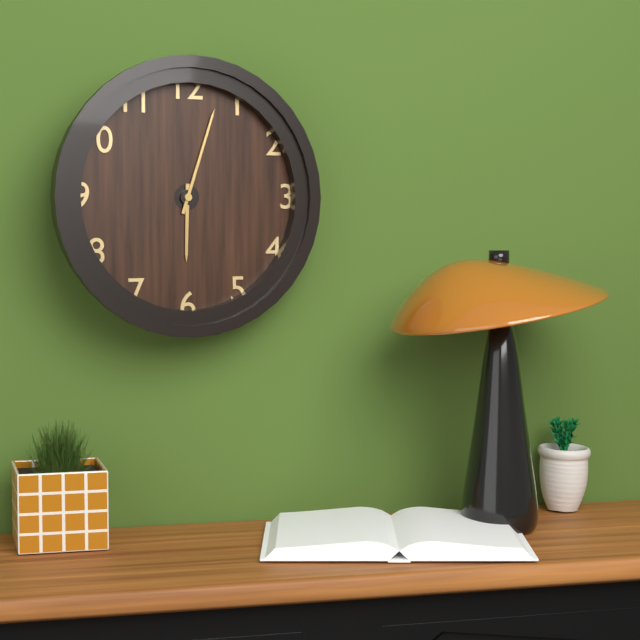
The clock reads 6,03
